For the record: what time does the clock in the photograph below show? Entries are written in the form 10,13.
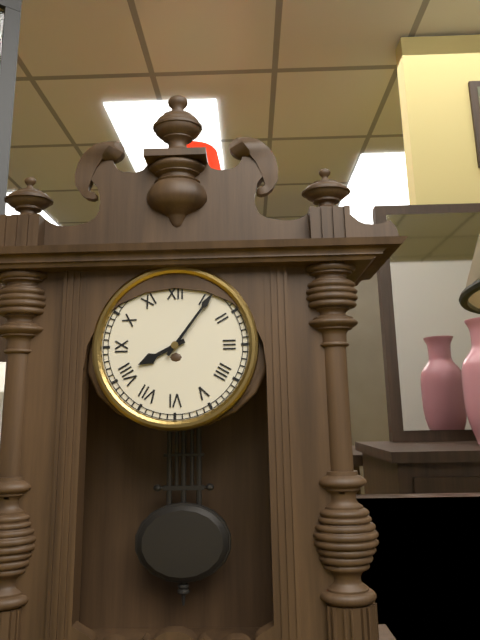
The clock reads 8,06
